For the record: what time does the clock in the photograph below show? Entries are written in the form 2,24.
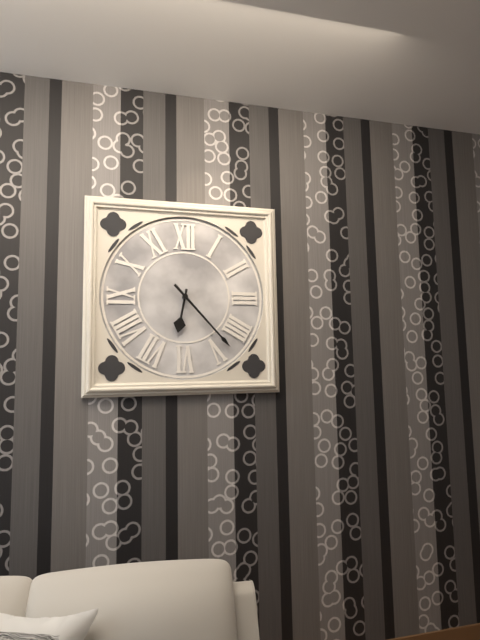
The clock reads 6,23
